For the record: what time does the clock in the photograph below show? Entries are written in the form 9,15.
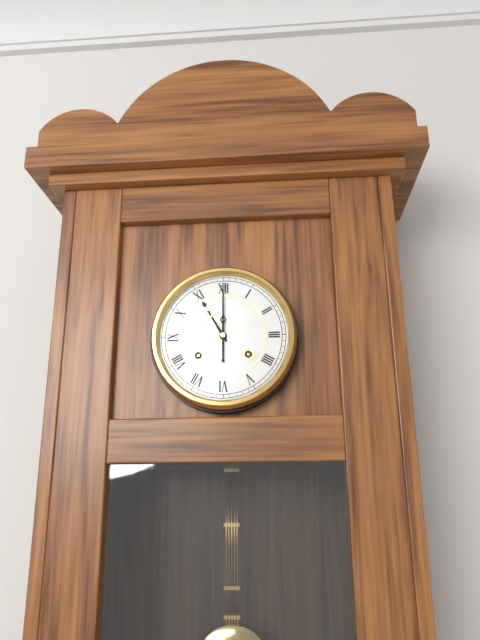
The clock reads 11,00
